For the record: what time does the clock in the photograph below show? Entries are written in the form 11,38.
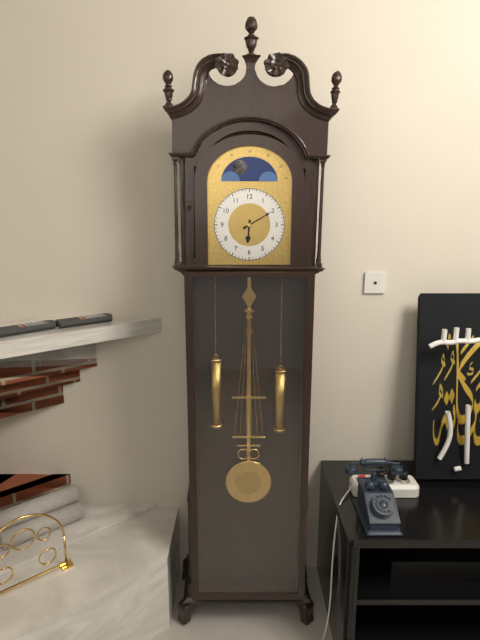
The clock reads 6,10
